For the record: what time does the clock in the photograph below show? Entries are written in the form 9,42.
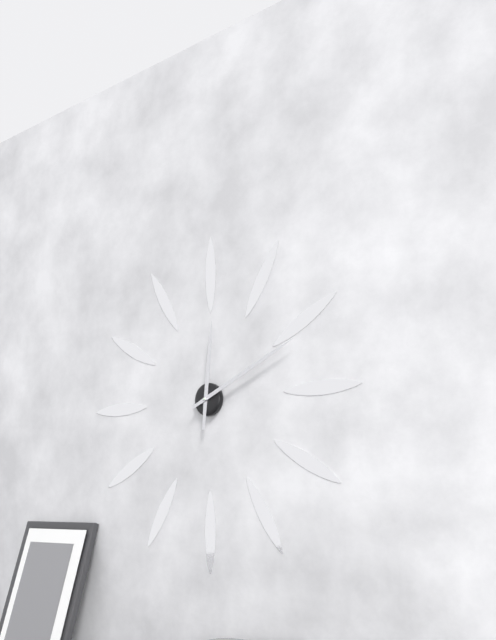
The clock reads 12,11
